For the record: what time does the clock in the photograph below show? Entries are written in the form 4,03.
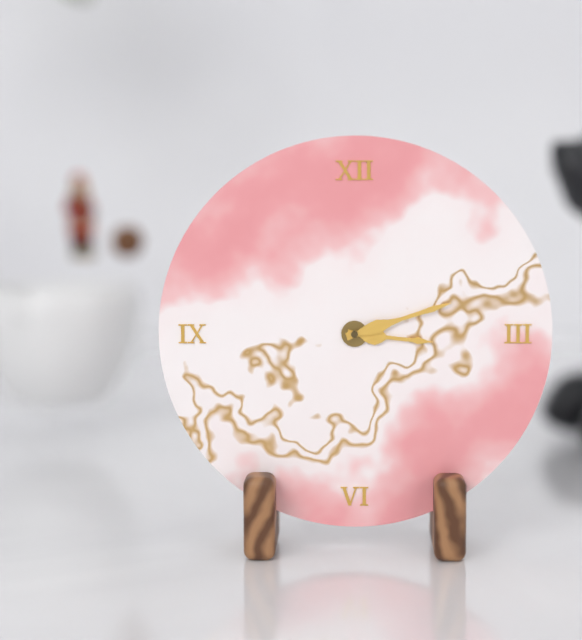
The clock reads 3,12
